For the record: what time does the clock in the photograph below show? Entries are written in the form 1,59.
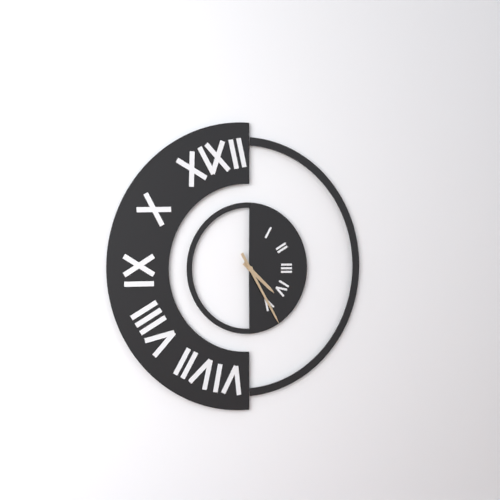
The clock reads 4,25
